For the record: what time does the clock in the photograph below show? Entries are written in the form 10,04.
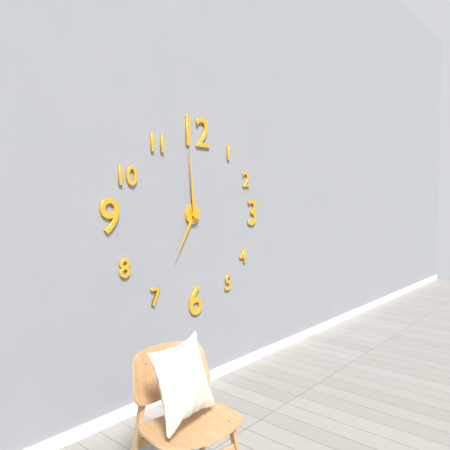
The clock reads 6,59
